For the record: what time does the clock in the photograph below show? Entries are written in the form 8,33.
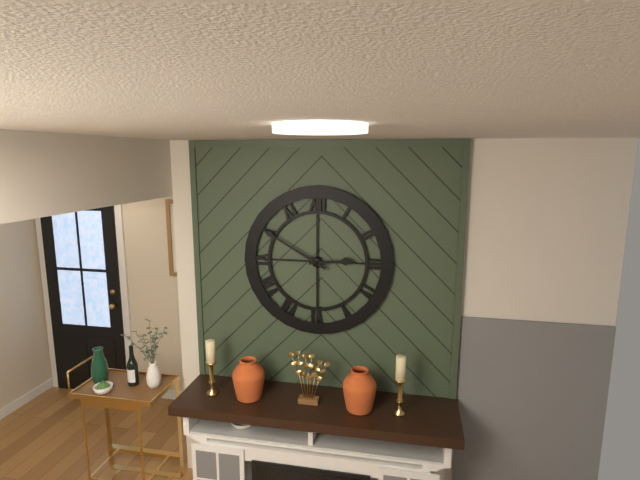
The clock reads 2,50
